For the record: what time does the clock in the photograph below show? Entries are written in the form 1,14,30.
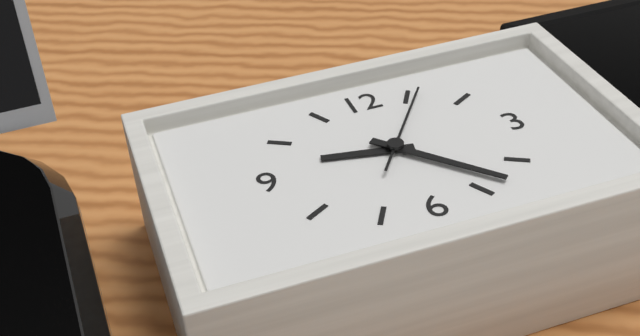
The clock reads 9,23,06
